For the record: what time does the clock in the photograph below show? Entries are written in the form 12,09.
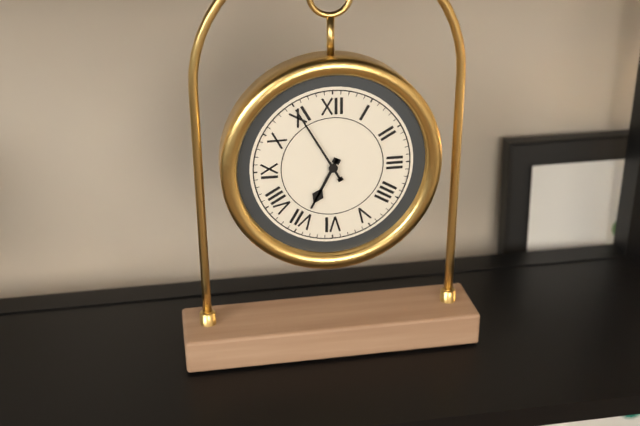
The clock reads 6,55
